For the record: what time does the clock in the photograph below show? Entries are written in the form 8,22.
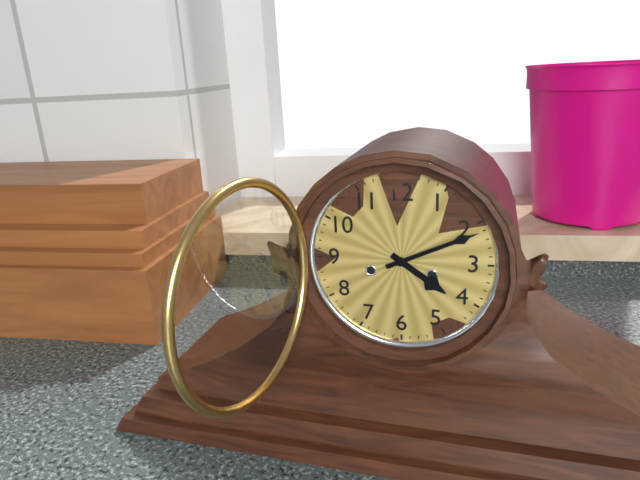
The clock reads 4,11
